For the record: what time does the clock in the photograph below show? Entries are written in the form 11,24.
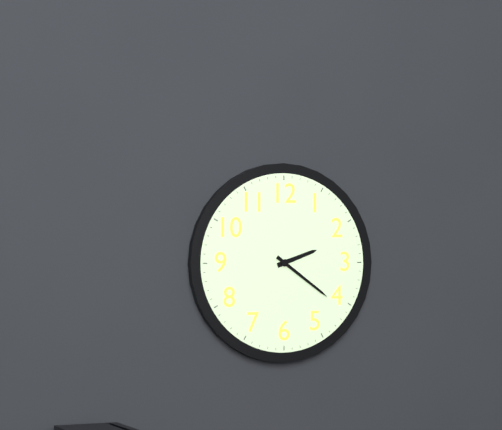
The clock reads 2,21
